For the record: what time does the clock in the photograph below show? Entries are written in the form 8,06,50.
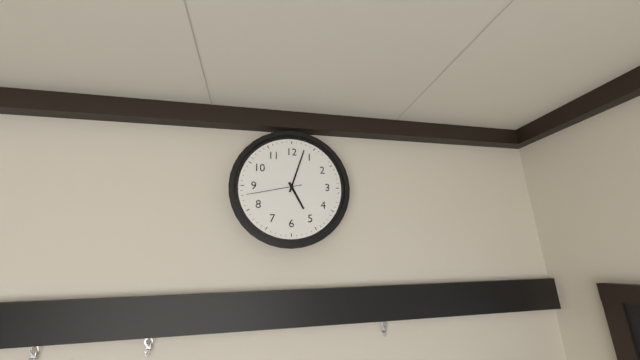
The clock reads 5,03,43
